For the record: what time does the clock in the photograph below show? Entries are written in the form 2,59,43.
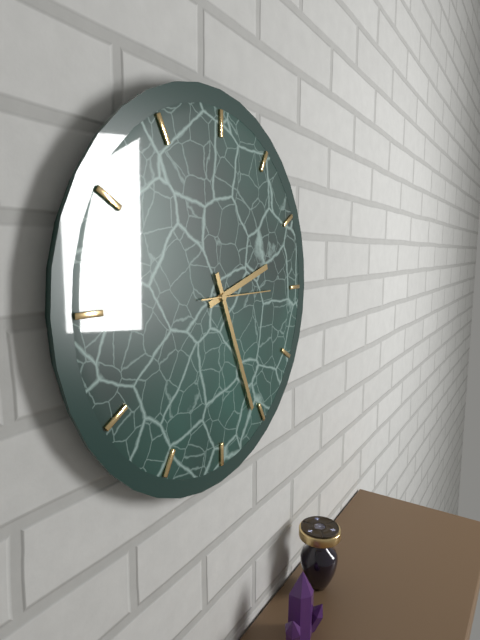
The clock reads 2,26,15
